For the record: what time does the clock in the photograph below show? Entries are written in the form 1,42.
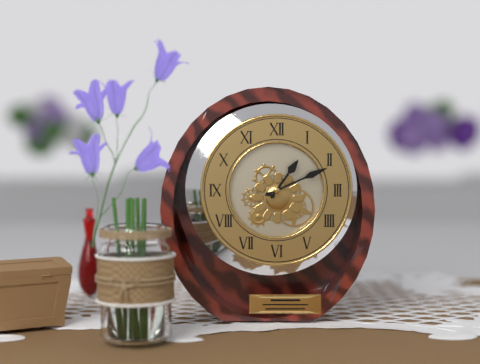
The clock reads 1,11
